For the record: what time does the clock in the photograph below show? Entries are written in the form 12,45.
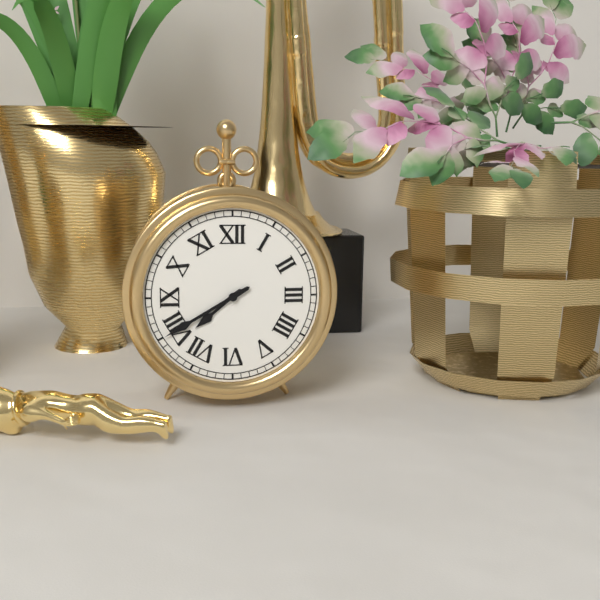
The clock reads 7,40
